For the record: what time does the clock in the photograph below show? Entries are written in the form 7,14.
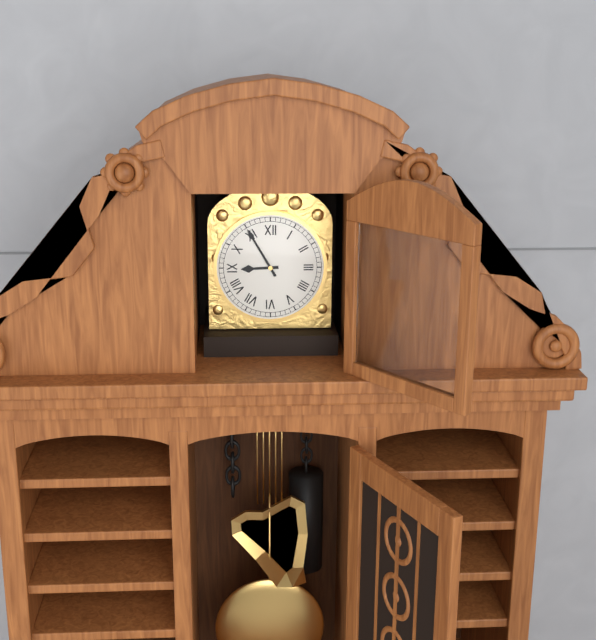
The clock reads 8,55
